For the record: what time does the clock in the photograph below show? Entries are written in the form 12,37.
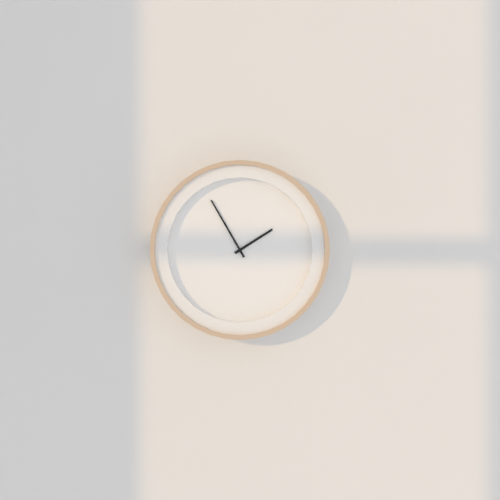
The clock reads 1,55
